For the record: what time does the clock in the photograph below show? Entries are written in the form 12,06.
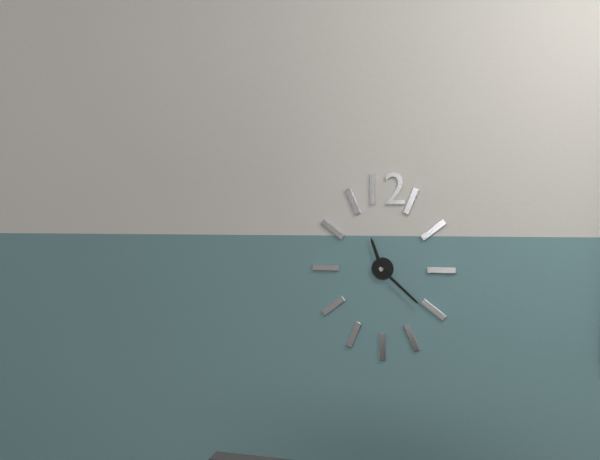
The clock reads 11,22
